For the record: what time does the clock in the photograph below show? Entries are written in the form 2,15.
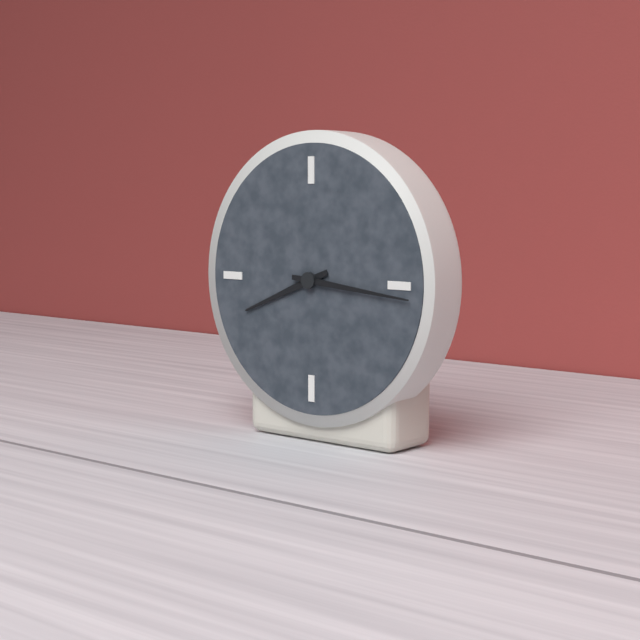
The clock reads 8,16
